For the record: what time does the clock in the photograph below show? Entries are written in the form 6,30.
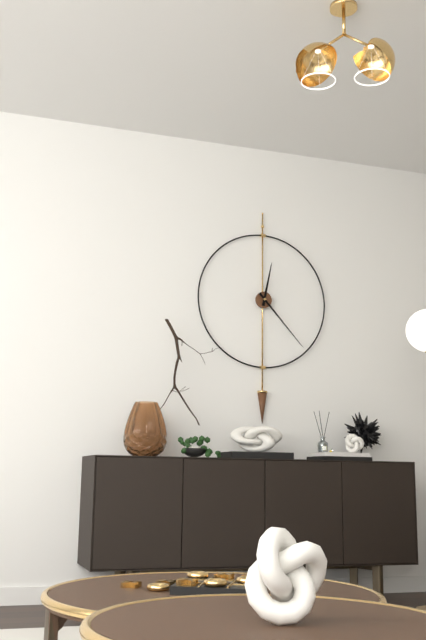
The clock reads 12,23
